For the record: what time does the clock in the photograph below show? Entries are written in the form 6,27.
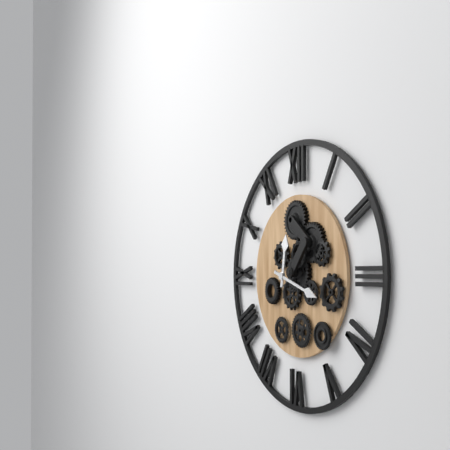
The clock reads 12,18
